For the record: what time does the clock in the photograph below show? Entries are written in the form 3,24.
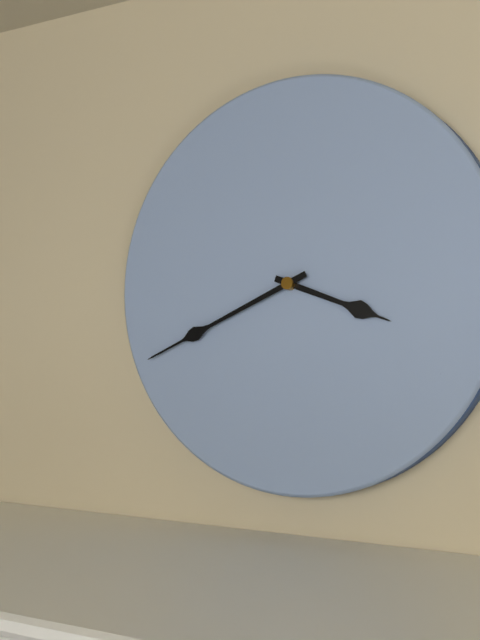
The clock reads 3,41
